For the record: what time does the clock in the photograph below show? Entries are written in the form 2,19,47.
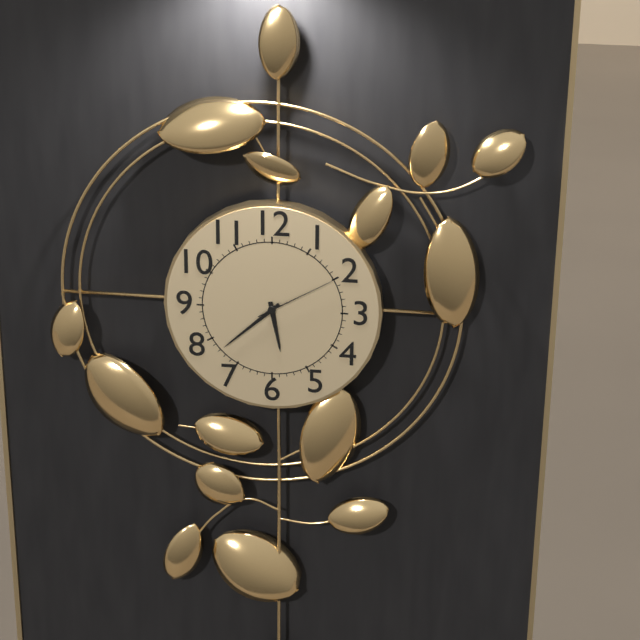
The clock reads 5,38,10
